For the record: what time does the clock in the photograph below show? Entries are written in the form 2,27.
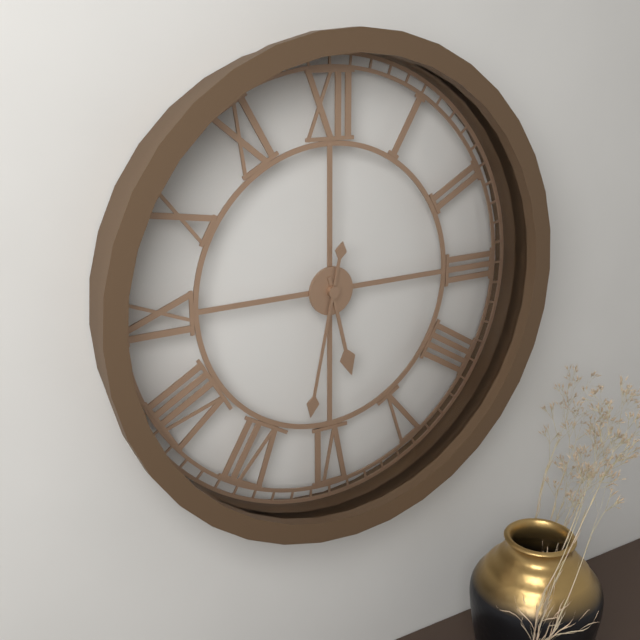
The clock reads 5,32
